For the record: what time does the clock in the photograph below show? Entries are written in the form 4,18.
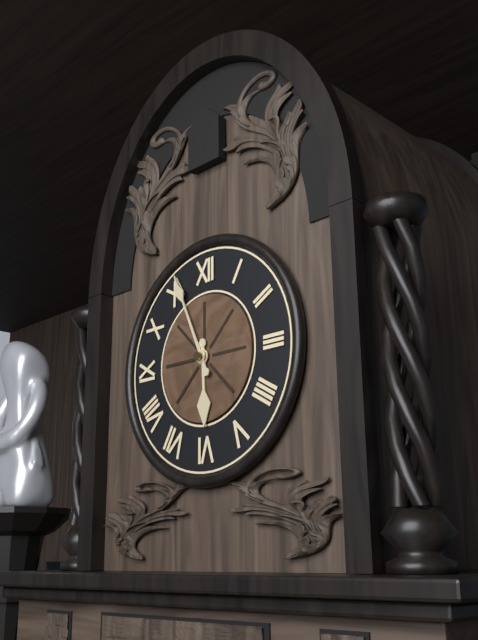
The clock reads 5,56
